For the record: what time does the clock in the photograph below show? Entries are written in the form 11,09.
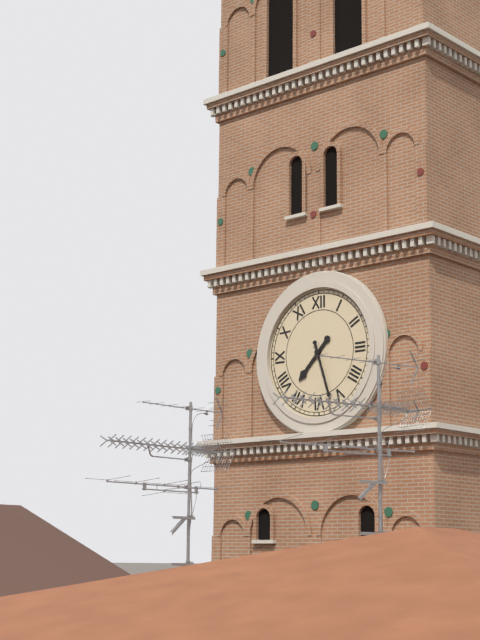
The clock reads 7,27
